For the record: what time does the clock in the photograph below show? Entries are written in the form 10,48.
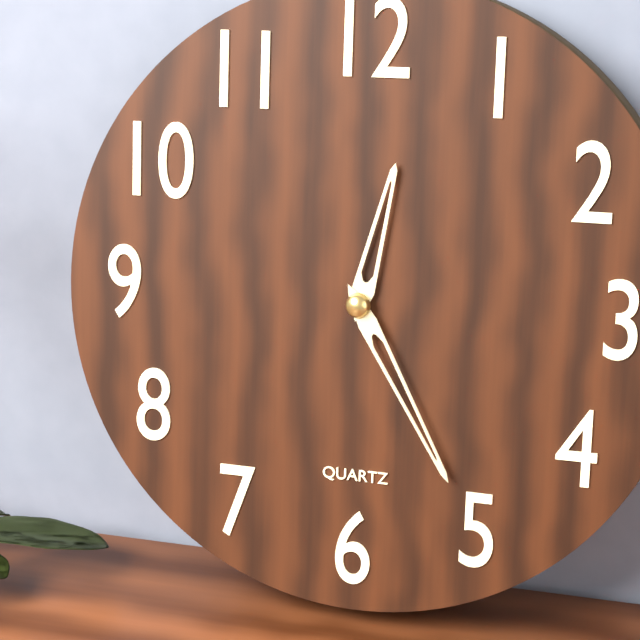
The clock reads 12,25
